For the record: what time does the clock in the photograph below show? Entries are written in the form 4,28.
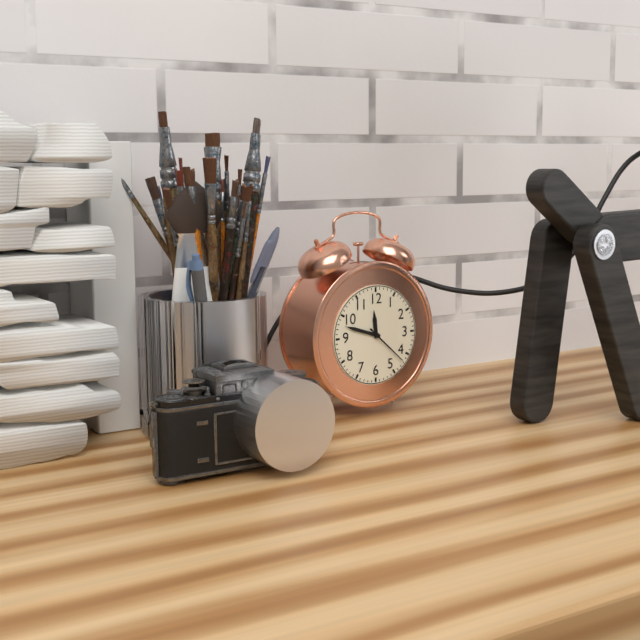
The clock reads 11,48
